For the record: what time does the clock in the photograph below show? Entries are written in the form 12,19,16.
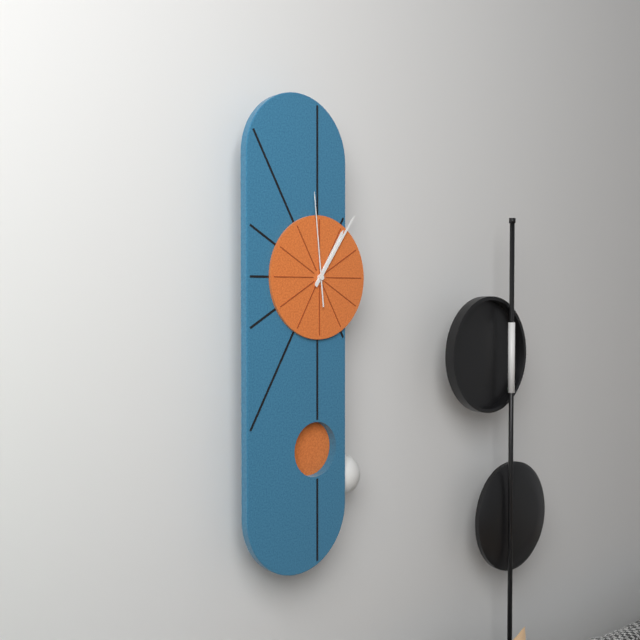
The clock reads 1,06,59
